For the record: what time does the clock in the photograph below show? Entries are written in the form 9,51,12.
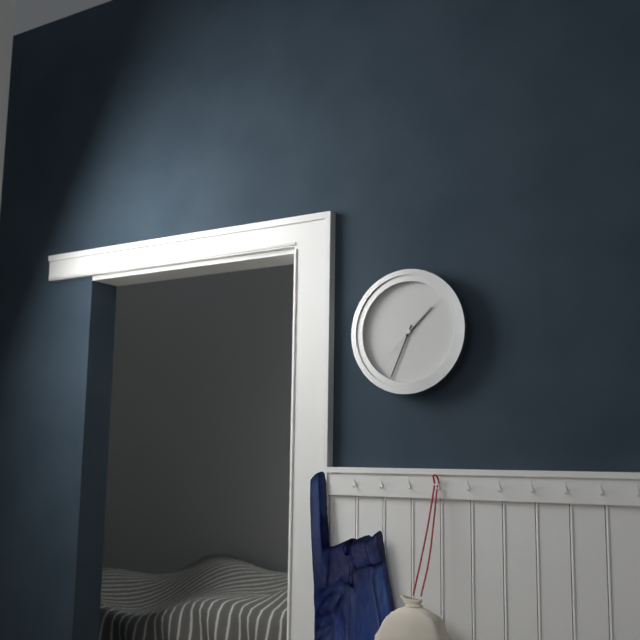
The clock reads 1,34,08
